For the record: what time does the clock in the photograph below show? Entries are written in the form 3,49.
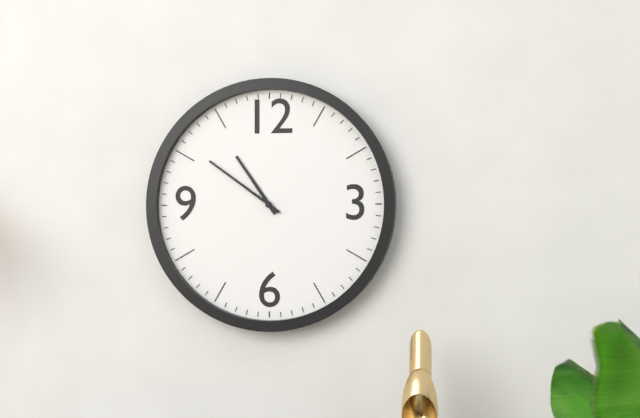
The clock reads 10,51
